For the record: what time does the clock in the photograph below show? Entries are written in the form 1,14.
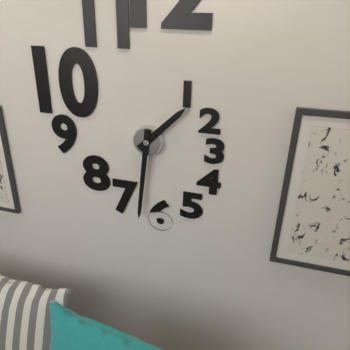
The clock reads 1,31
